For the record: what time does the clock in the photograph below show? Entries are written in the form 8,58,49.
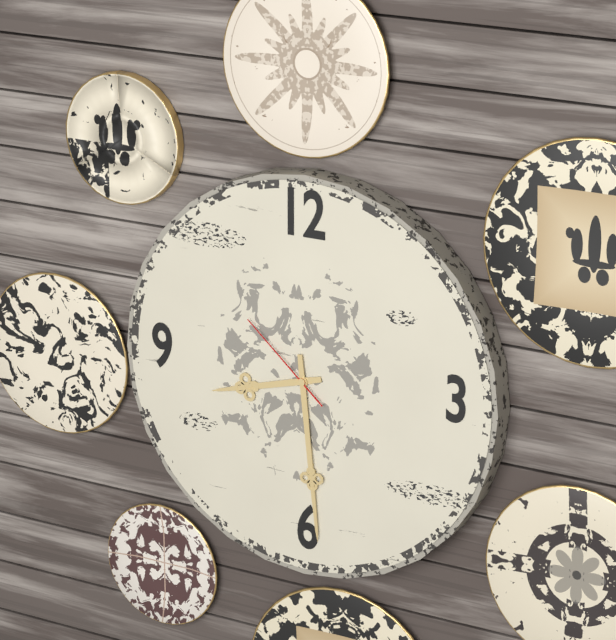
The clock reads 8,29,52
